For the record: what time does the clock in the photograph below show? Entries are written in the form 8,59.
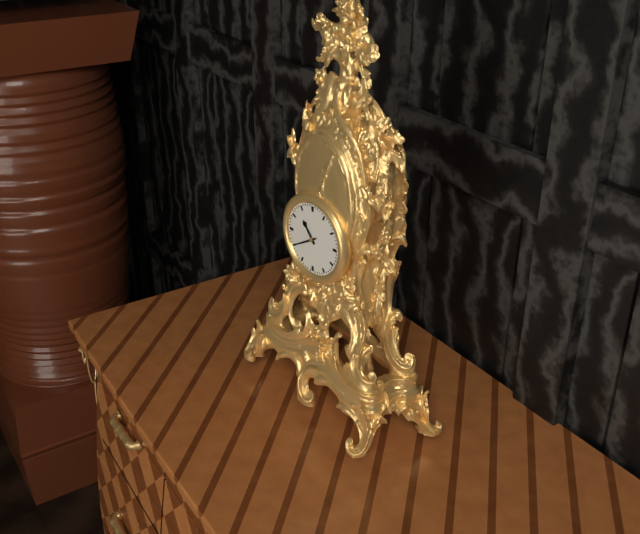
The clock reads 10,40
